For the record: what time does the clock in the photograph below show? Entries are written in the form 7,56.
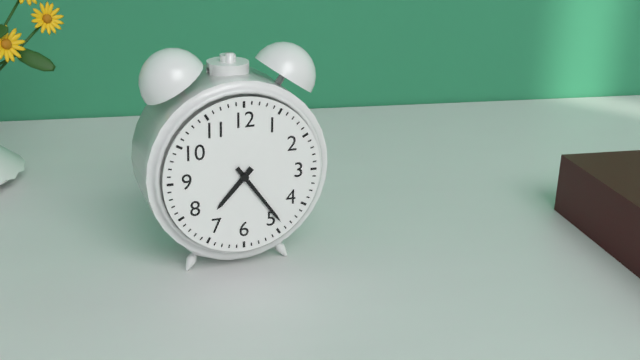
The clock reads 7,24
